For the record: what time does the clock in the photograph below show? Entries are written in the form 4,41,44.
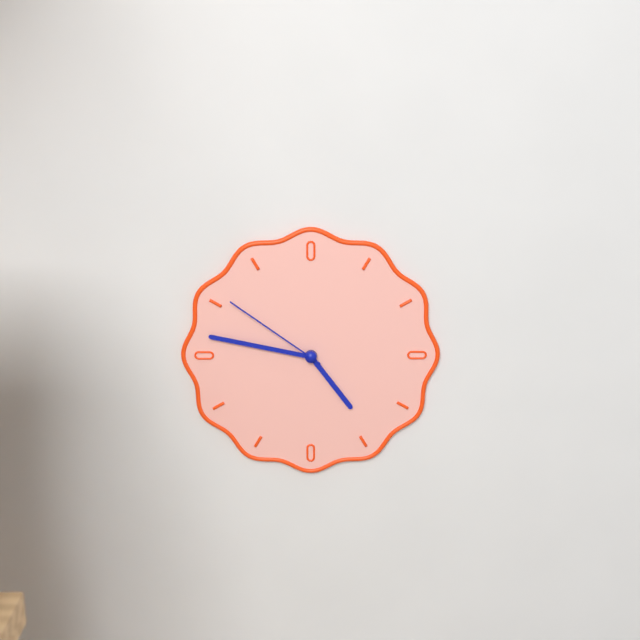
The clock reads 4,47,51
